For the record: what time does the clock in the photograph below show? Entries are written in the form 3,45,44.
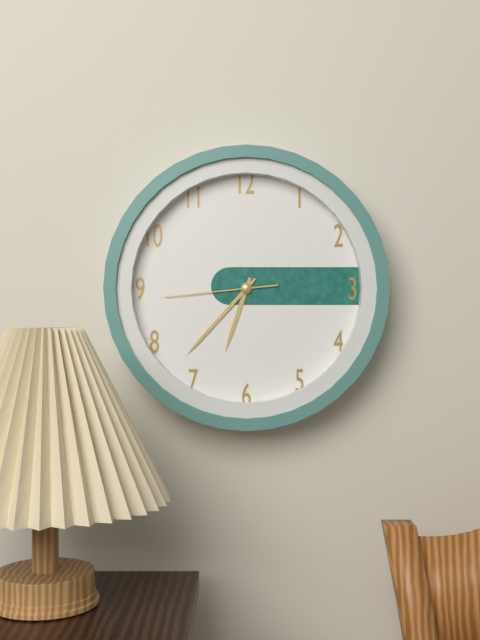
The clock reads 6,37,44
